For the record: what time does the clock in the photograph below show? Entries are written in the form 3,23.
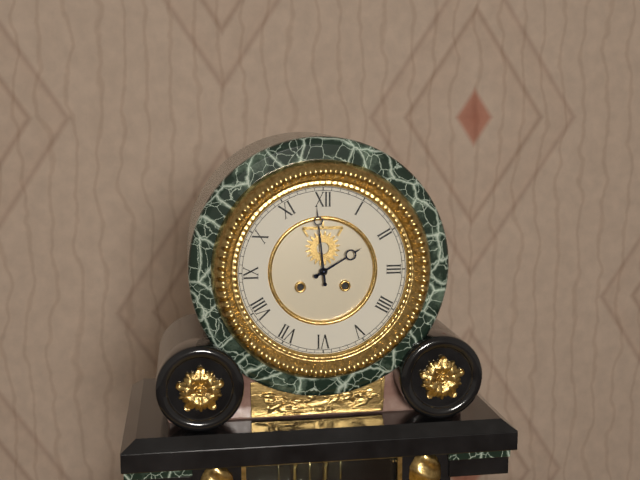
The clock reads 1,59
